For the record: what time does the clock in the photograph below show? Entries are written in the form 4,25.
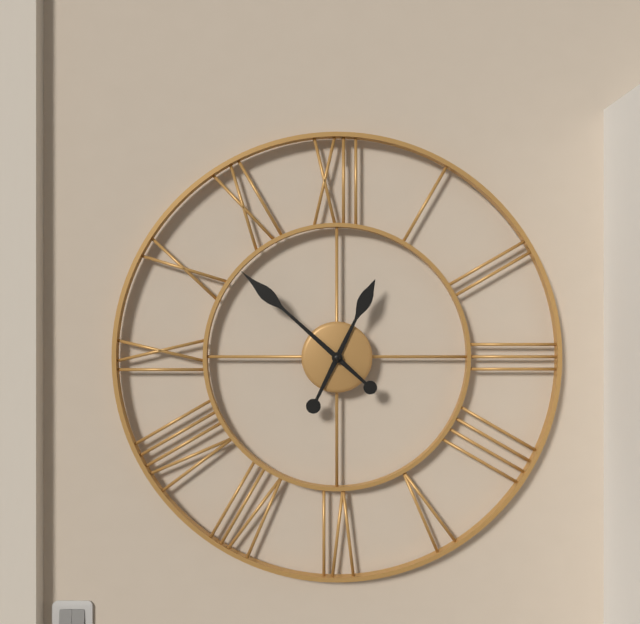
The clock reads 12,52
